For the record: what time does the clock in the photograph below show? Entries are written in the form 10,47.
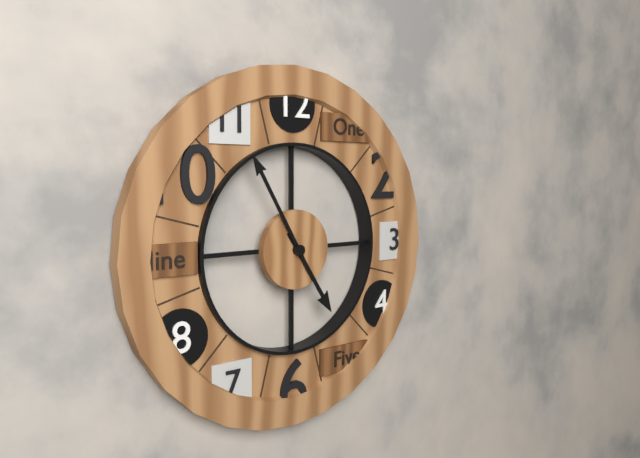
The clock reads 4,55
